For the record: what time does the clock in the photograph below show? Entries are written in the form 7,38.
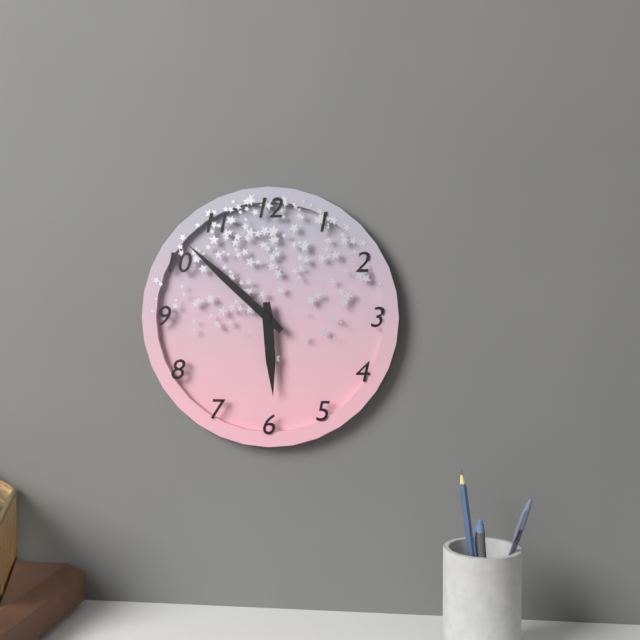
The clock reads 5,52
